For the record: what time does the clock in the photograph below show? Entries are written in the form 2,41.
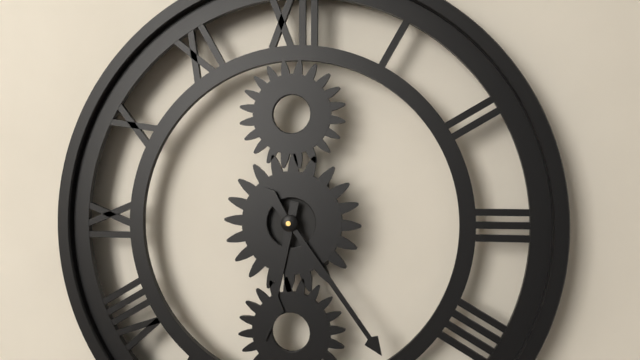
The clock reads 6,24
